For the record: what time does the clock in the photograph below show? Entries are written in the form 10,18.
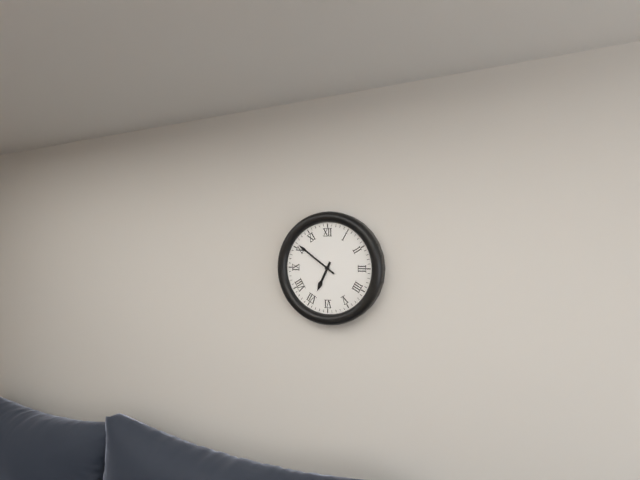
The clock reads 6,51
